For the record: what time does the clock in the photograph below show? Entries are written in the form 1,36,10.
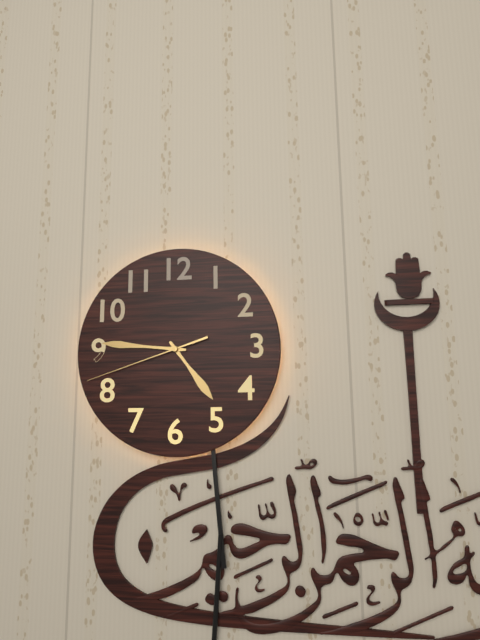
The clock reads 4,46,42
